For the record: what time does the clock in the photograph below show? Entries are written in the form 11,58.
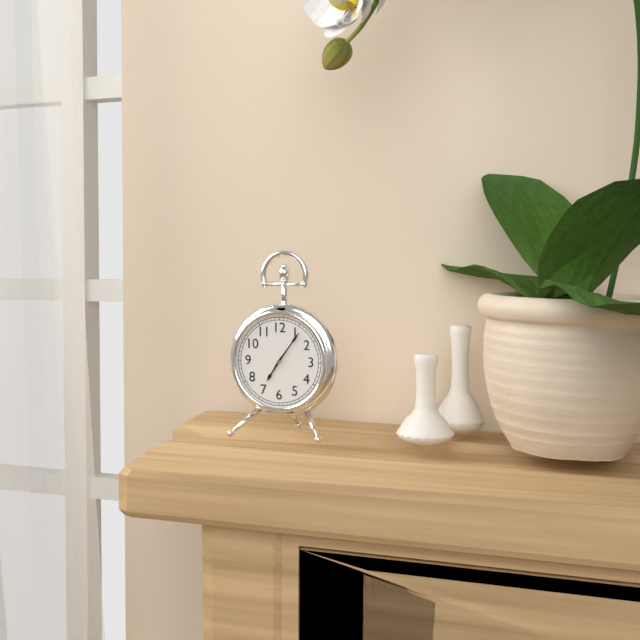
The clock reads 7,06
